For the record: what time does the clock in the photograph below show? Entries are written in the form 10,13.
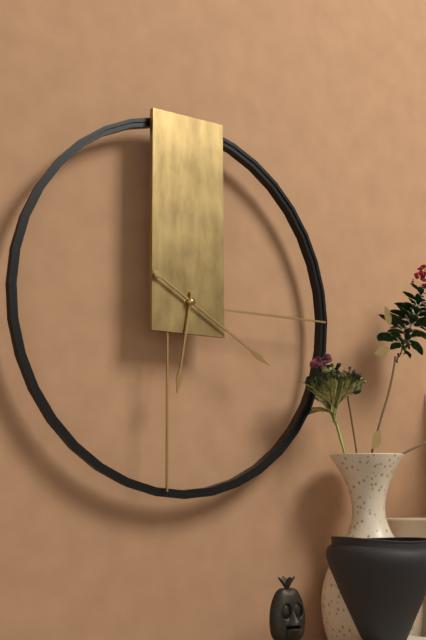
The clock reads 6,20
